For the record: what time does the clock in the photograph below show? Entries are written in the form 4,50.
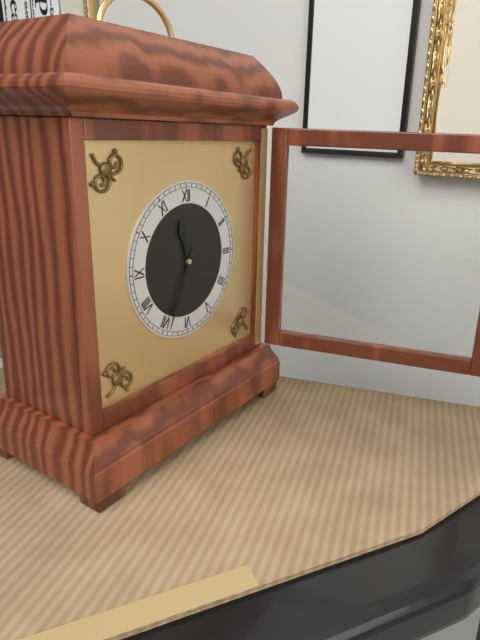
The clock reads 11,34
